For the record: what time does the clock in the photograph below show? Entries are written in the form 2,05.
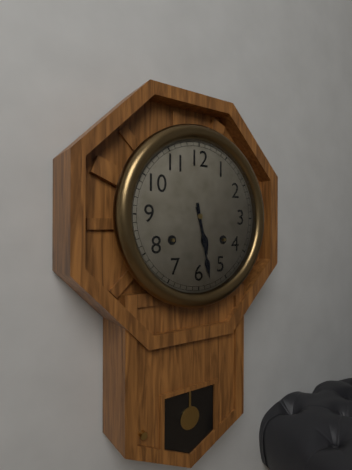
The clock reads 5,28
